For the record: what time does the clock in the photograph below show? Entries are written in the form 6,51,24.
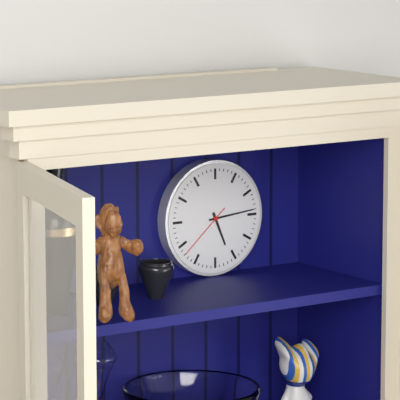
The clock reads 5,14,38
